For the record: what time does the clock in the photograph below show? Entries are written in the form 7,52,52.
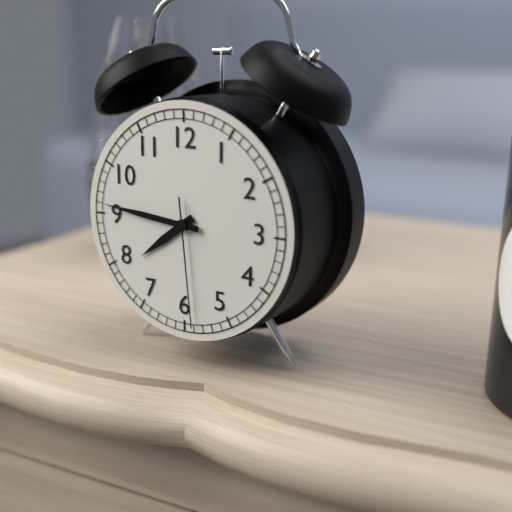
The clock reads 7,46,29
